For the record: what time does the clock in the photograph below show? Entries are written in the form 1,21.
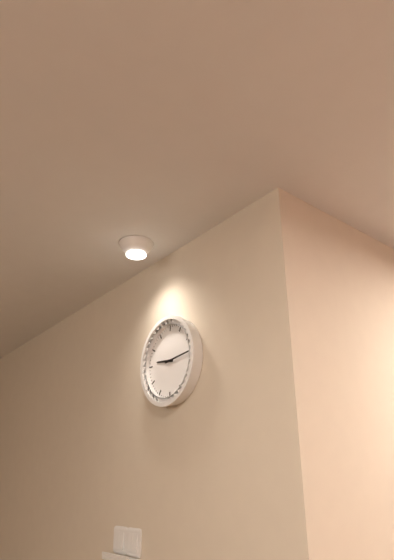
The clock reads 9,14
